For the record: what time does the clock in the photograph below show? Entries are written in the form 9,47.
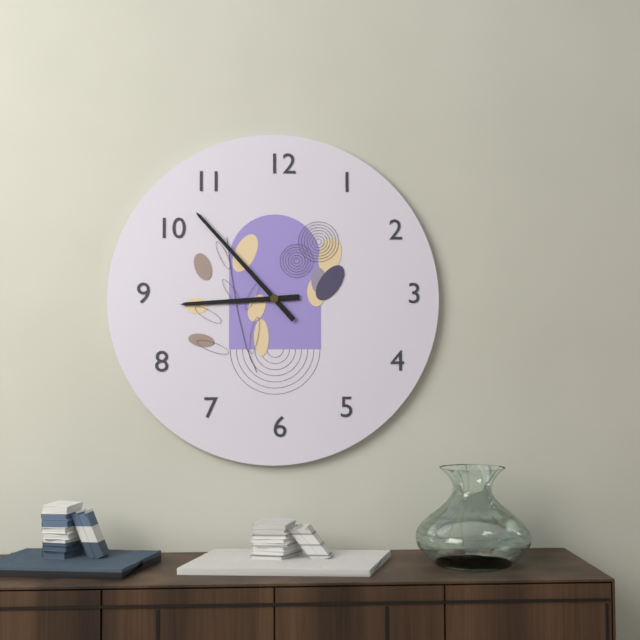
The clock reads 8,53
